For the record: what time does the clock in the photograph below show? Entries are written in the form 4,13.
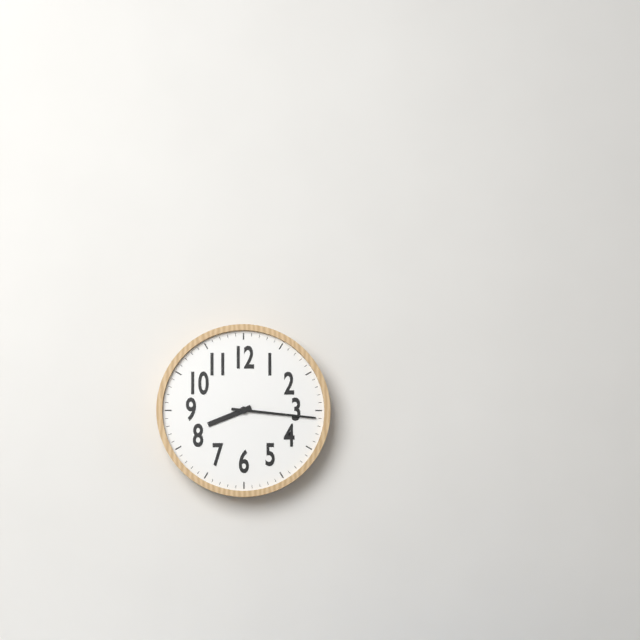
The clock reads 8,16
